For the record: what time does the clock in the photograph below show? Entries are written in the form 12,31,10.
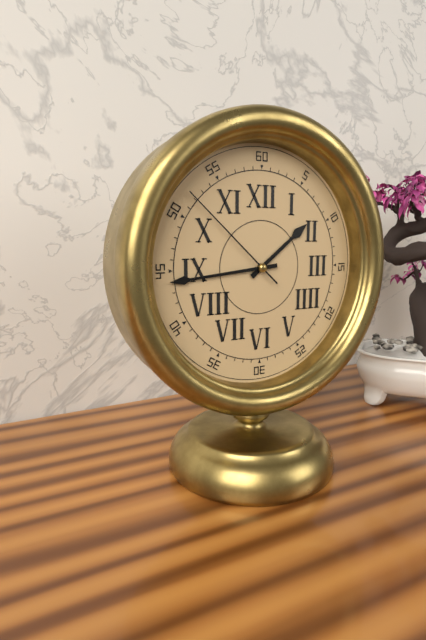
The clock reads 1,44,52
